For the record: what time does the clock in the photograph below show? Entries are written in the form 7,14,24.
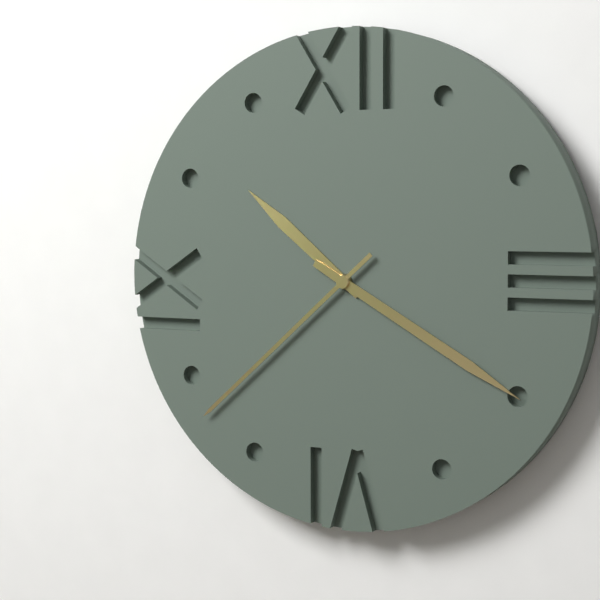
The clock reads 10,20,38
